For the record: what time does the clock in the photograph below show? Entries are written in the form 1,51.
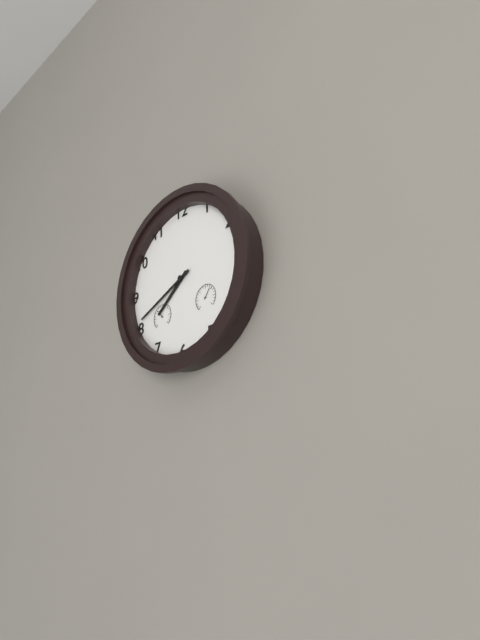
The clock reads 7,41
